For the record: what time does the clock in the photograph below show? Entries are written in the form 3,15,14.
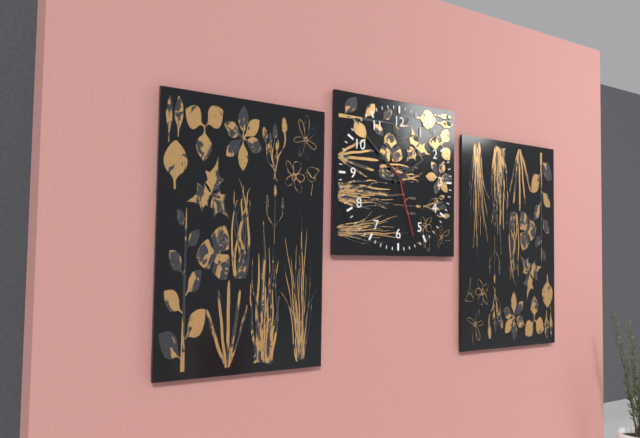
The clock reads 1,52,27
